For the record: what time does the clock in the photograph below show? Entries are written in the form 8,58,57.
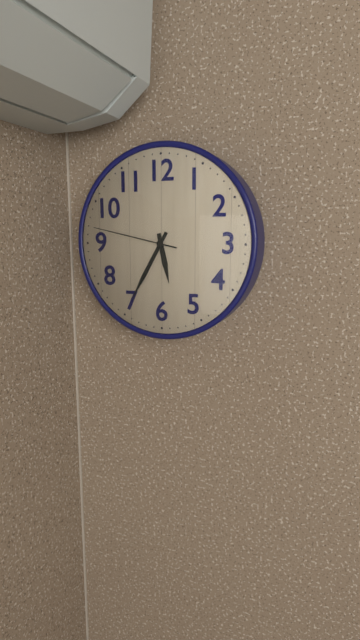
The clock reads 5,35,47
